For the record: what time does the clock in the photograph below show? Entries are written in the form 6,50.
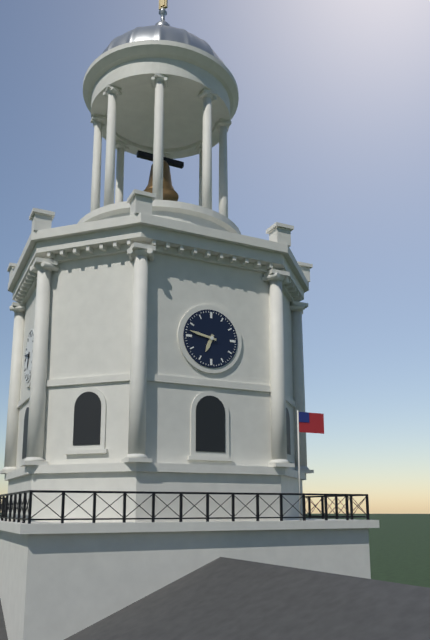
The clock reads 6,47
